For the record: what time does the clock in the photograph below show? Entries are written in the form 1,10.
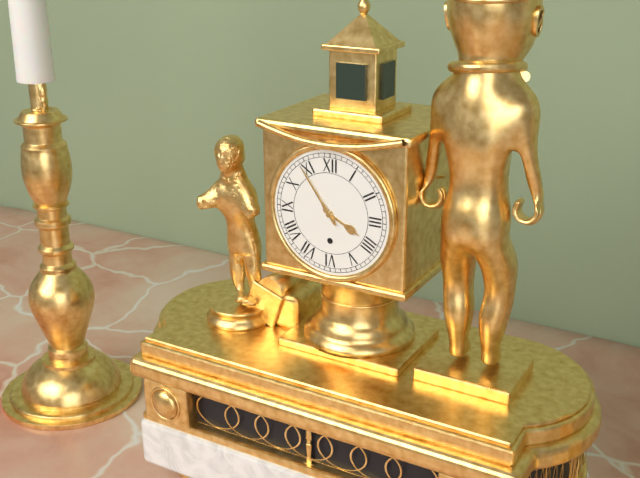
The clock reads 3,54
